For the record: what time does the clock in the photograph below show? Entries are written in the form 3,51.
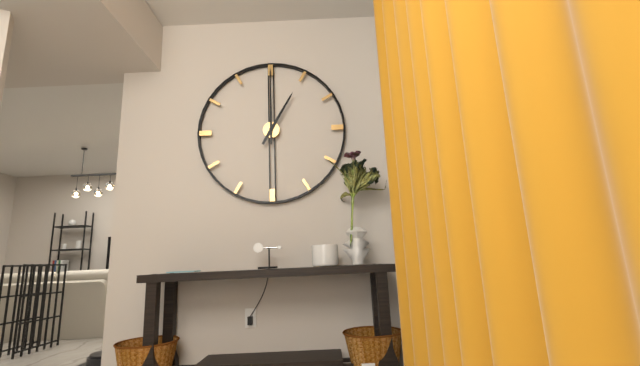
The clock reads 1,00
